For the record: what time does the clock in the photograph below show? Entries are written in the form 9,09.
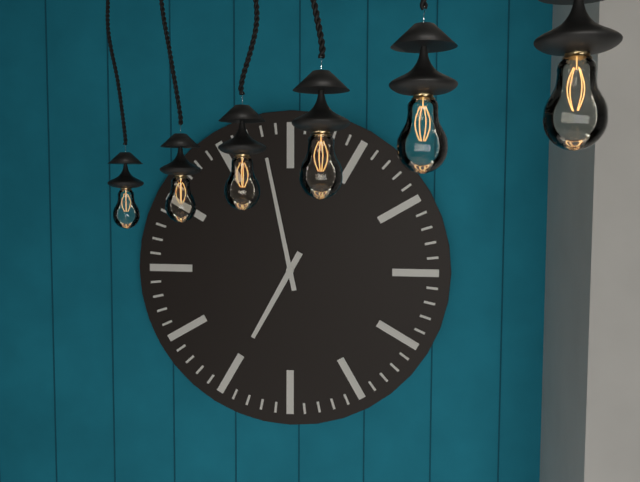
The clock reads 6,58
